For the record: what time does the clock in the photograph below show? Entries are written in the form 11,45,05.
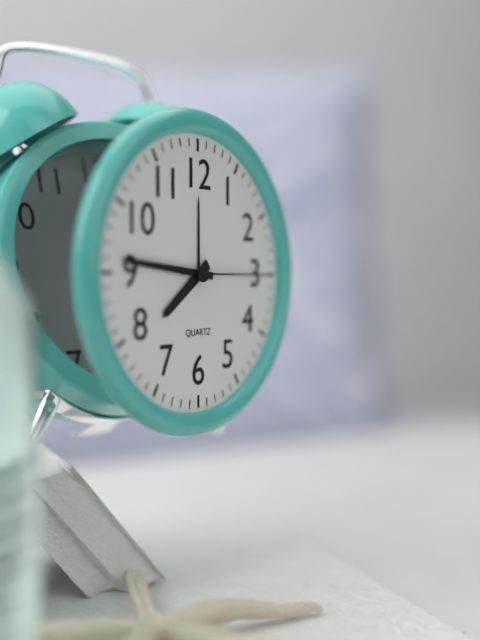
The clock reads 7,46,15
